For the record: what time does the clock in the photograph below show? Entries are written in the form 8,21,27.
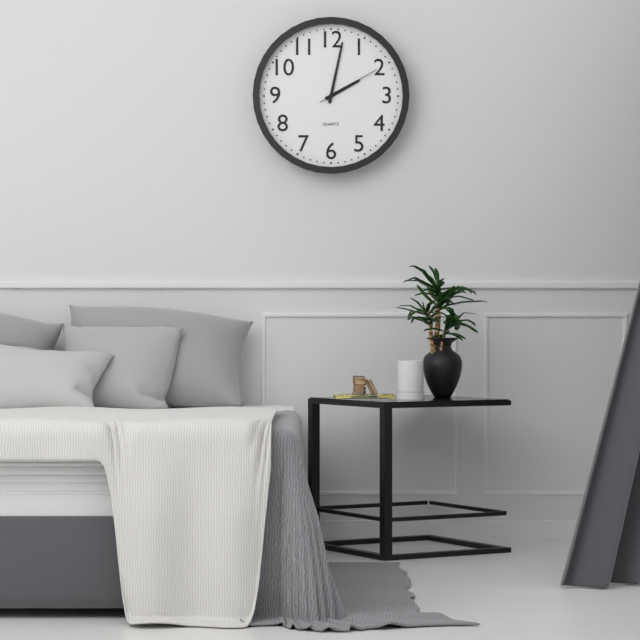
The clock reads 2,02,10
